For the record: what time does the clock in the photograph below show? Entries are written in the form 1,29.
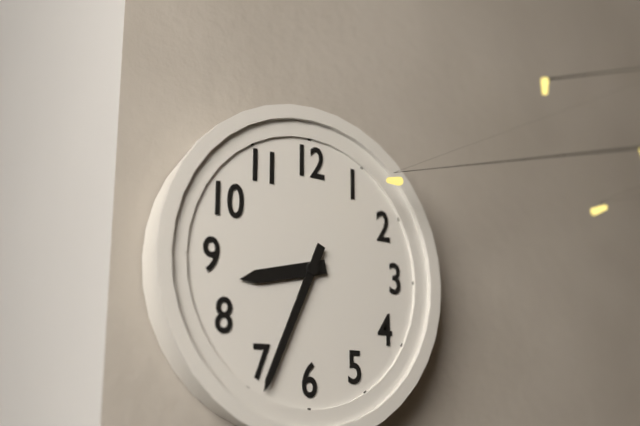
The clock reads 8,34
